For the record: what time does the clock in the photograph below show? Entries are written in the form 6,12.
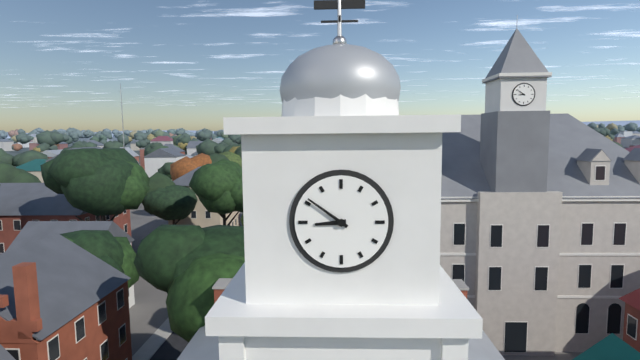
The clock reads 8,51
